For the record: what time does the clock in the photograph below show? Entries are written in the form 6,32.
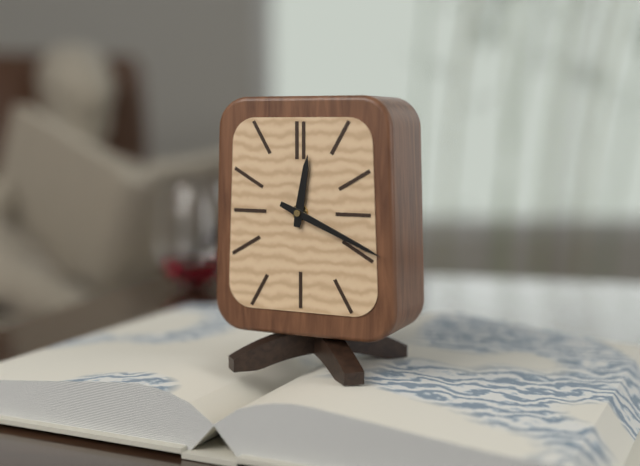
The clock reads 12,19
